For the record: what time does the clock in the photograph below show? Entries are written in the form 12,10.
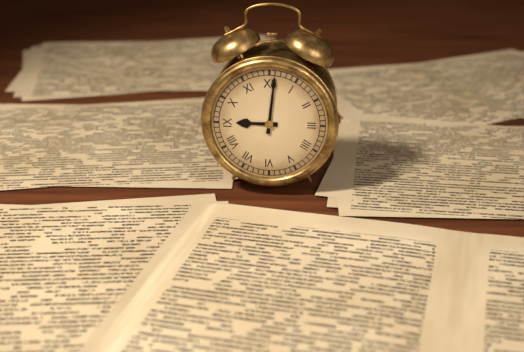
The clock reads 9,01
